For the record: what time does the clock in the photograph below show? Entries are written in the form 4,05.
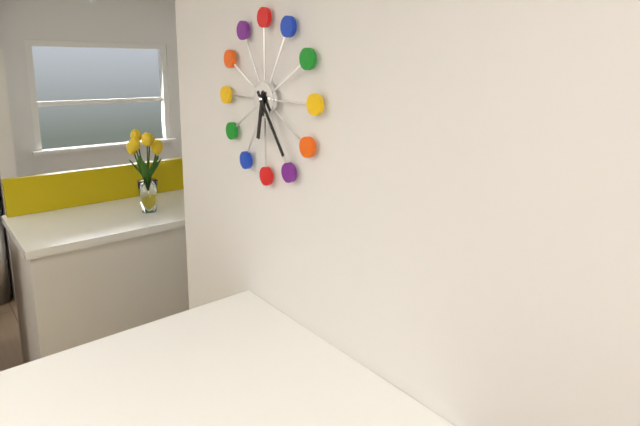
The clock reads 6,24
